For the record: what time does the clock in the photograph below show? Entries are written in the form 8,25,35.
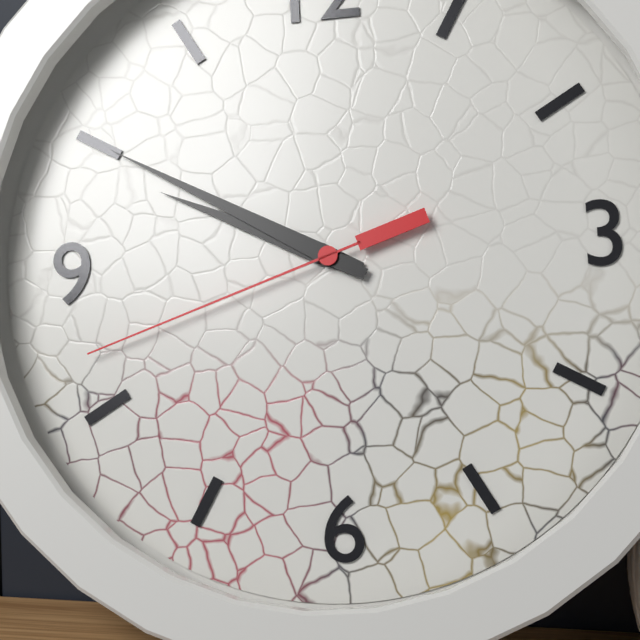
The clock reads 9,50,42
